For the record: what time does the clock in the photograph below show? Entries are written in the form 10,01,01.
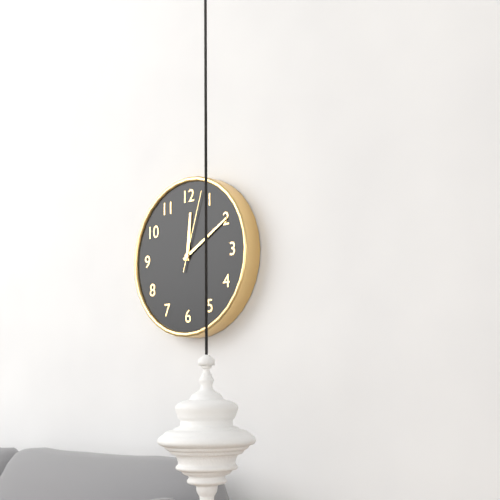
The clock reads 12,10,03
